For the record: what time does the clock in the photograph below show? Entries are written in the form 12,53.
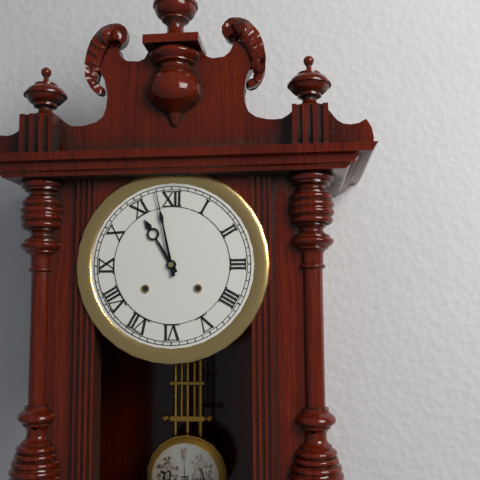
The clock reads 10,58
